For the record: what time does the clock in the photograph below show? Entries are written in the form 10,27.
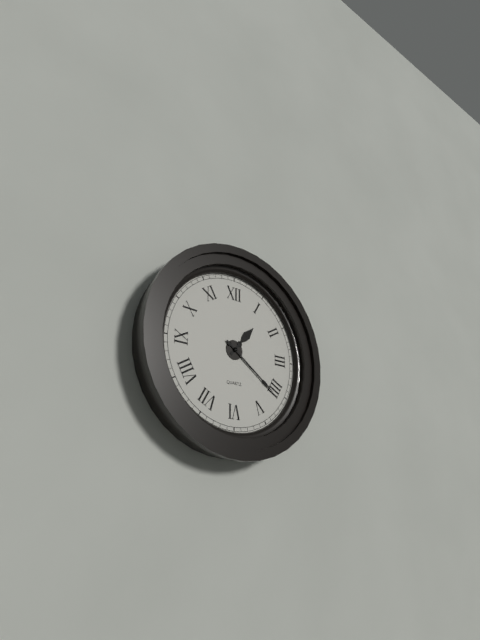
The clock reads 1,21
